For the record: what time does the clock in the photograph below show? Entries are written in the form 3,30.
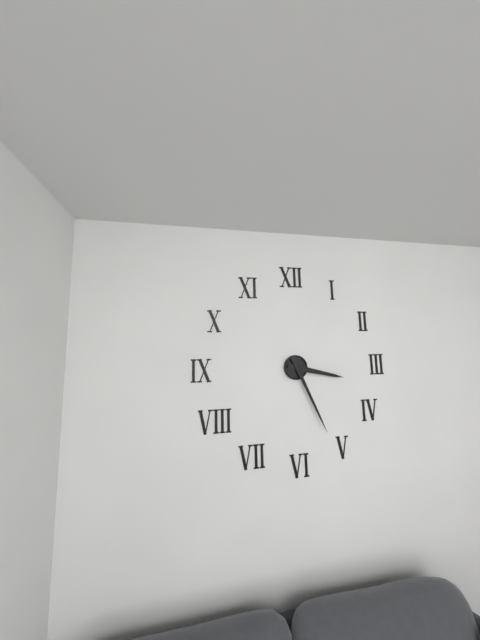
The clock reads 3,26
